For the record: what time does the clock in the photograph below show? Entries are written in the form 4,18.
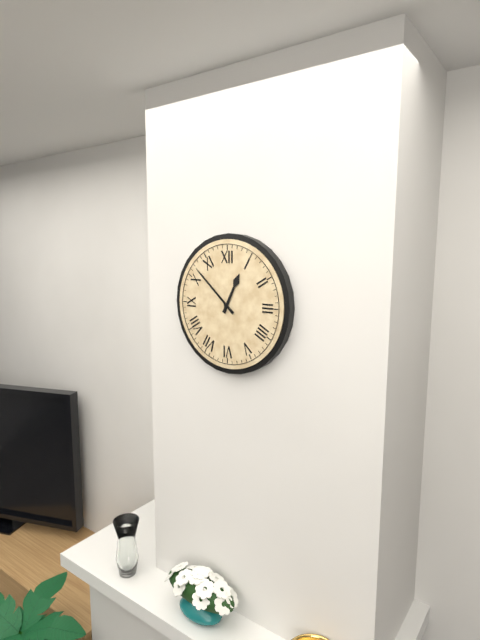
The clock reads 12,52
